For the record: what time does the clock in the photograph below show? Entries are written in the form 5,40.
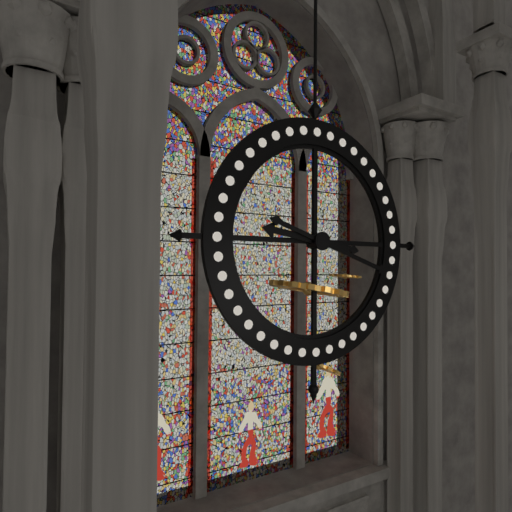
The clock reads 9,18
